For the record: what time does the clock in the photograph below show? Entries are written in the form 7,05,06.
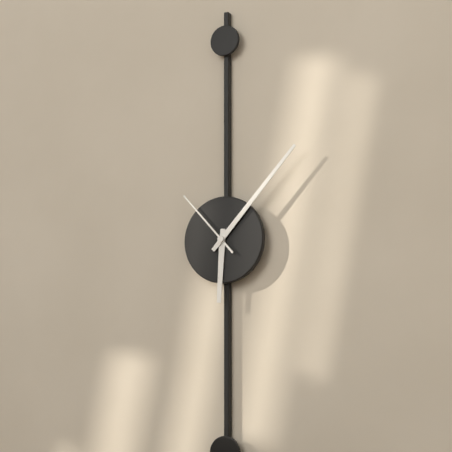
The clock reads 6,07,53
